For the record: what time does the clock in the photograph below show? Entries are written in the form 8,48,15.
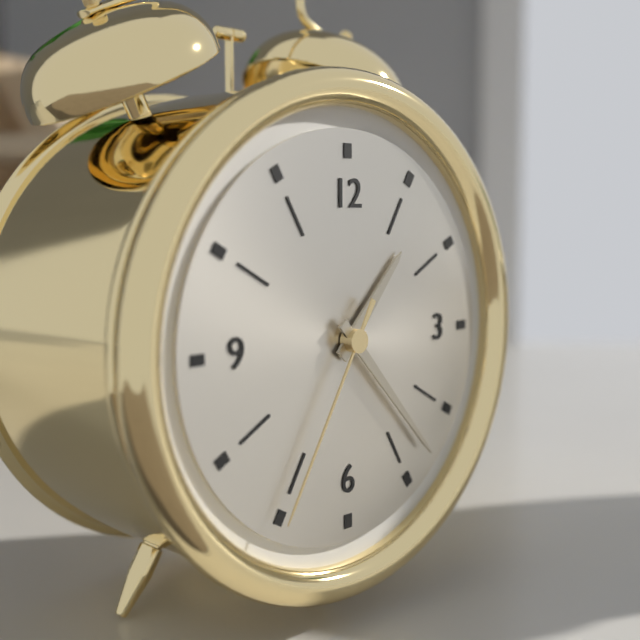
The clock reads 1,23,35
